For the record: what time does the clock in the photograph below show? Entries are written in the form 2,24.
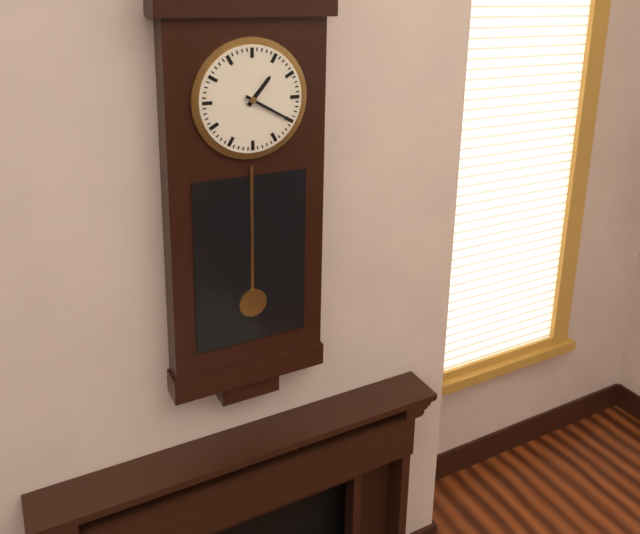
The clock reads 1,20
